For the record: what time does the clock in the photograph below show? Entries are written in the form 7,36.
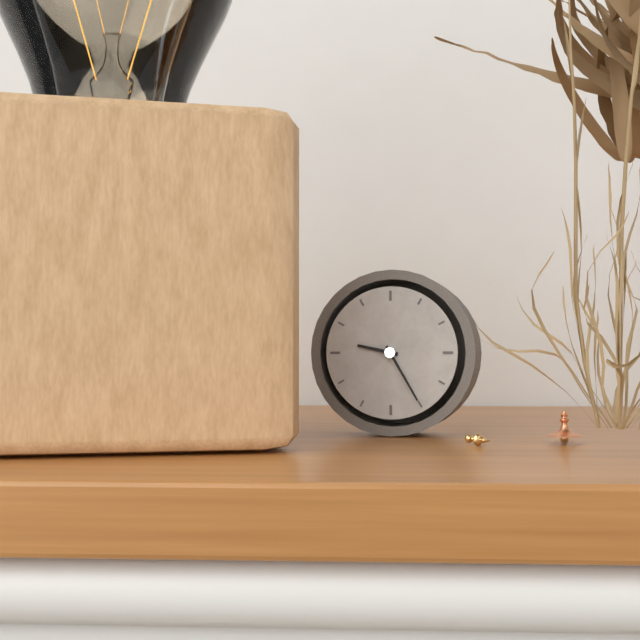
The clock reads 9,25
